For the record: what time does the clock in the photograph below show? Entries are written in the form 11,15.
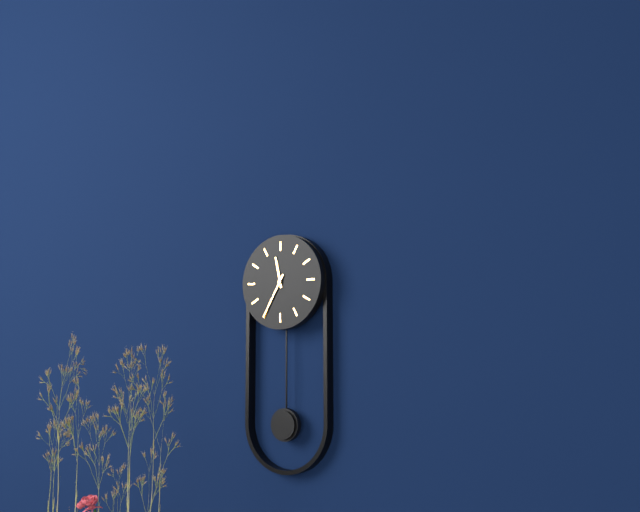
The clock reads 11,35
